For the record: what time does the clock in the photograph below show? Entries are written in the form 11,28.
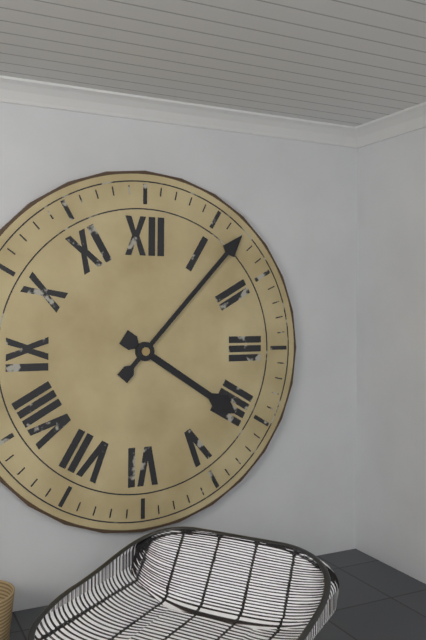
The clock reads 4,07
